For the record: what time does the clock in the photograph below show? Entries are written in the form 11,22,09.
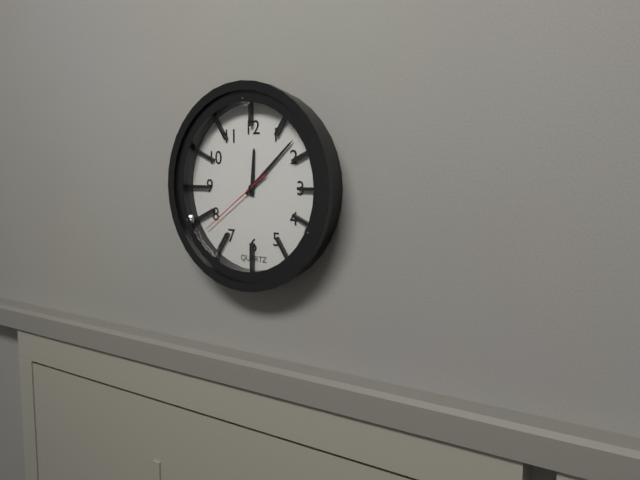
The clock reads 12,08,39
